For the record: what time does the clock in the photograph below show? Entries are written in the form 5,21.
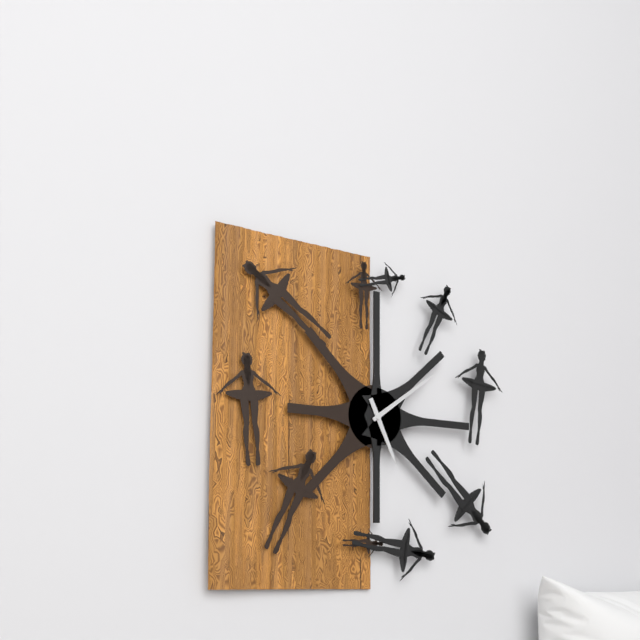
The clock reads 5,09
